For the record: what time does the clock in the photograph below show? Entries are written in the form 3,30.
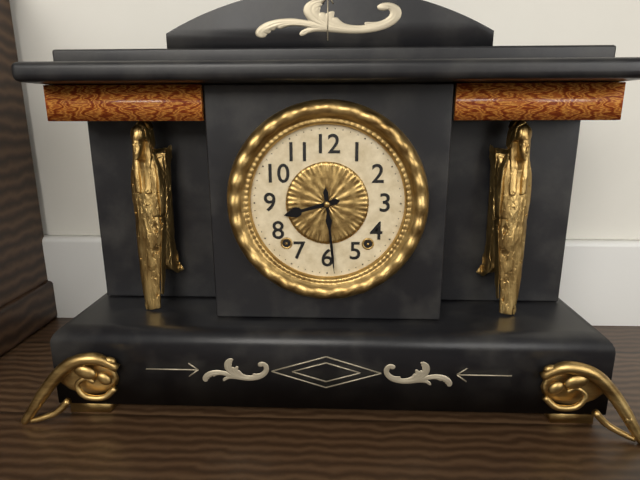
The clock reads 8,29
